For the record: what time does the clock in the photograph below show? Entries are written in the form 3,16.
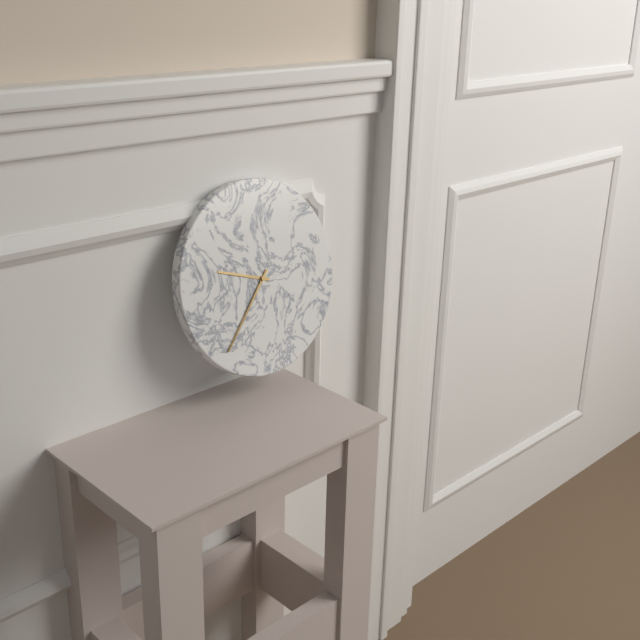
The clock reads 9,37
